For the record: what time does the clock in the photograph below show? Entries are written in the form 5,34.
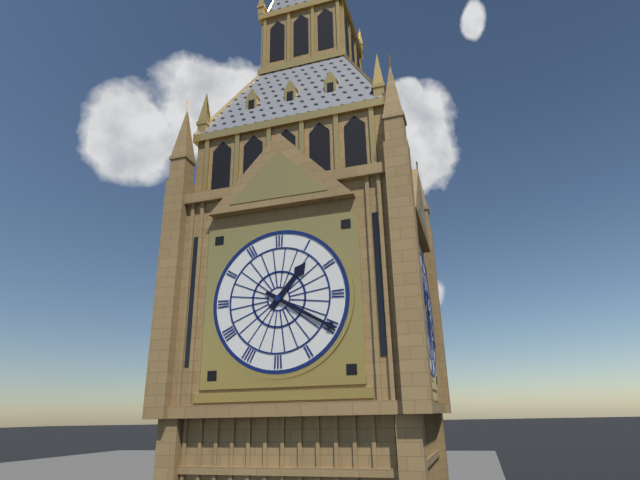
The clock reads 1,20
